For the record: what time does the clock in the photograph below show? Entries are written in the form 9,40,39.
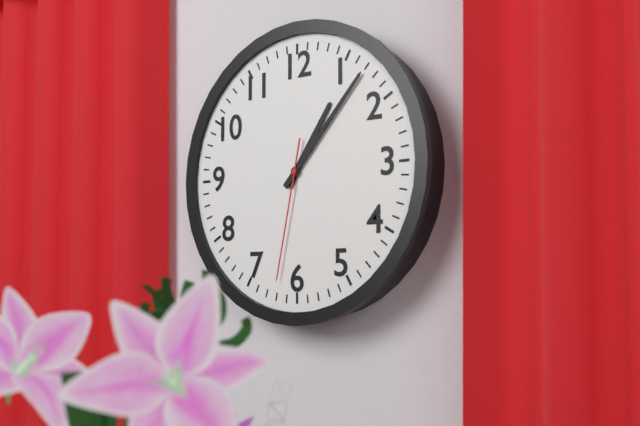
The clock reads 1,07,32
